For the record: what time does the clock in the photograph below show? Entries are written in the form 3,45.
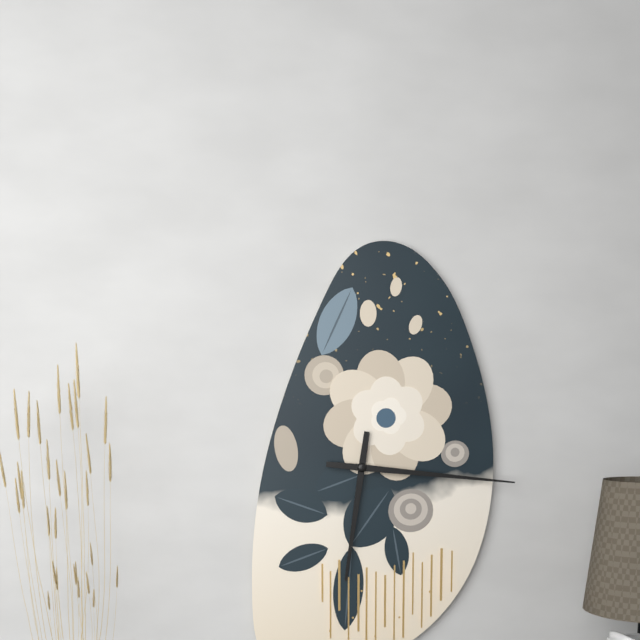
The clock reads 6,16
